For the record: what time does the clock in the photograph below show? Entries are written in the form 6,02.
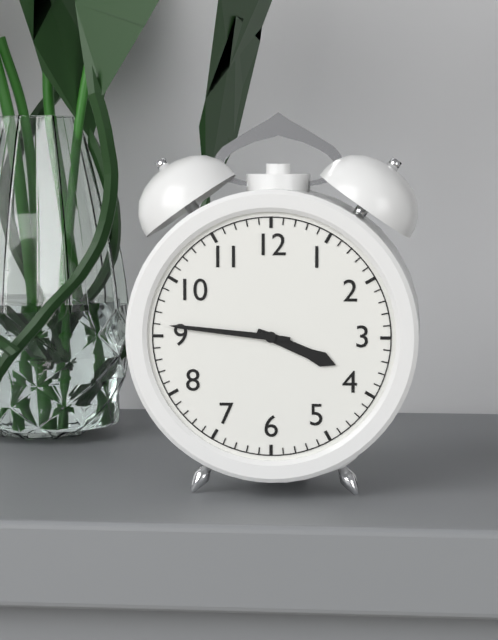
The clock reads 3,46
